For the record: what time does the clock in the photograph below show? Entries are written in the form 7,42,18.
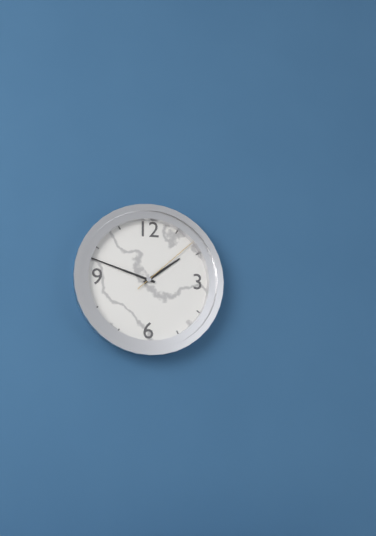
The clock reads 1,48,08
